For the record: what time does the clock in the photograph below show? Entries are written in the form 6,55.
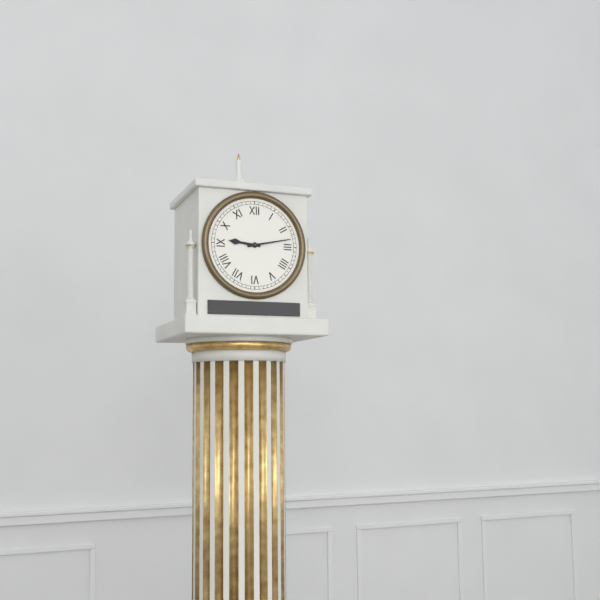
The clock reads 9,13
